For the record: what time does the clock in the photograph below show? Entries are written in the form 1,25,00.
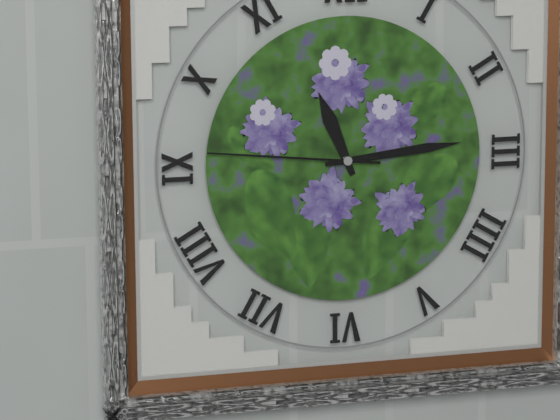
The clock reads 11,14,46
